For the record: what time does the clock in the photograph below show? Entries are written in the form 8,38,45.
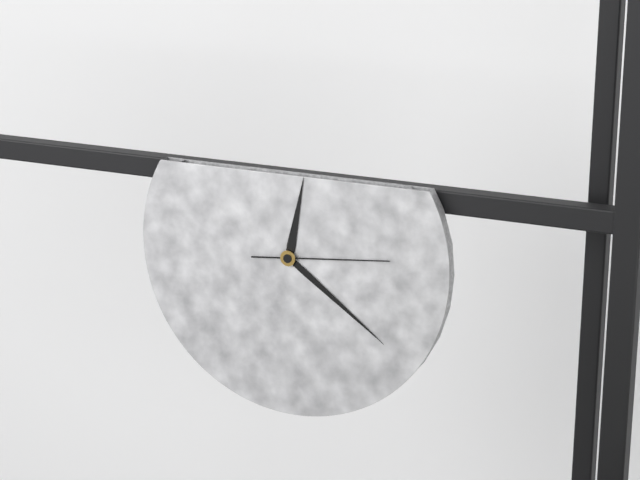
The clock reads 12,21,14
